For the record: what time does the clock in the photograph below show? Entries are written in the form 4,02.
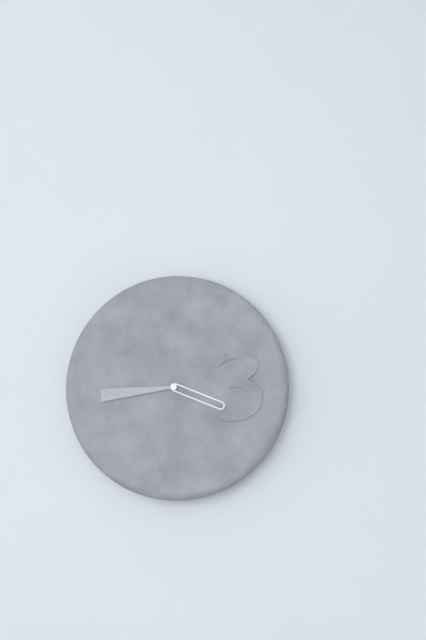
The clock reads 3,44
